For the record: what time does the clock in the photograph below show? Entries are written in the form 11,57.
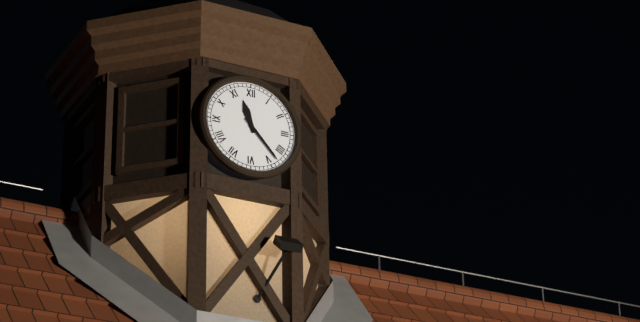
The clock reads 11,23
